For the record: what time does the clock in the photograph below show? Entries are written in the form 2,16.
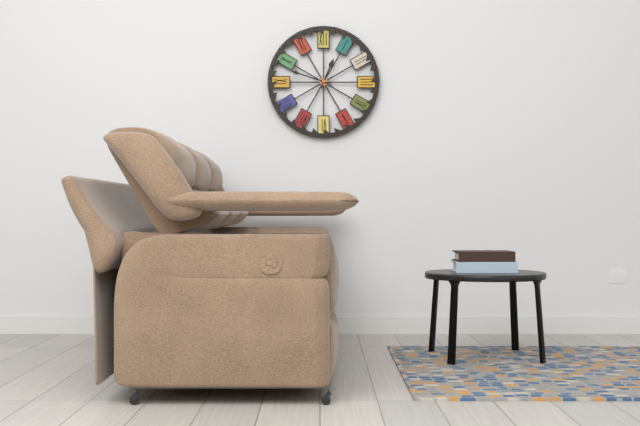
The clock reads 12,48
